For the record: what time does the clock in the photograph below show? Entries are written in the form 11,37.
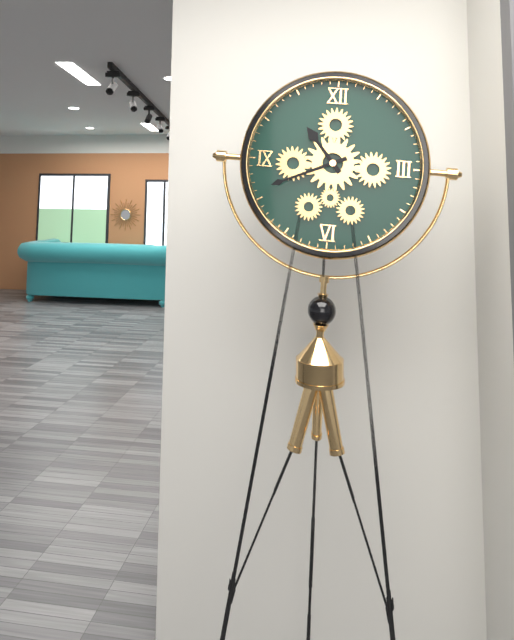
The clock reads 10,41
